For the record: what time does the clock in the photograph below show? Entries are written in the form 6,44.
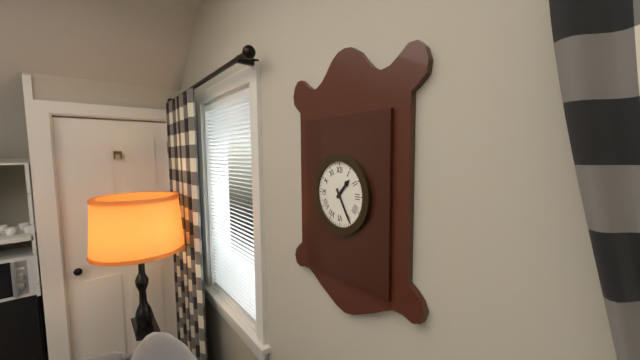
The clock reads 1,25
